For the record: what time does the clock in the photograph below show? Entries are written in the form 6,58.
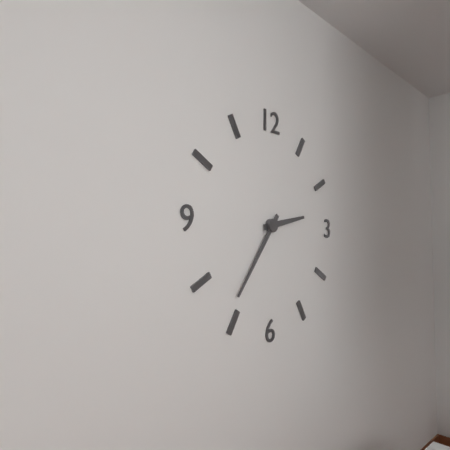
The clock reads 2,36
